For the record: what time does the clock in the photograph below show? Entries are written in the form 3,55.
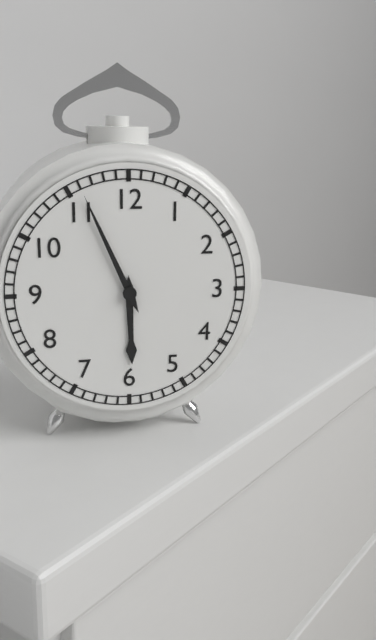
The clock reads 5,56
